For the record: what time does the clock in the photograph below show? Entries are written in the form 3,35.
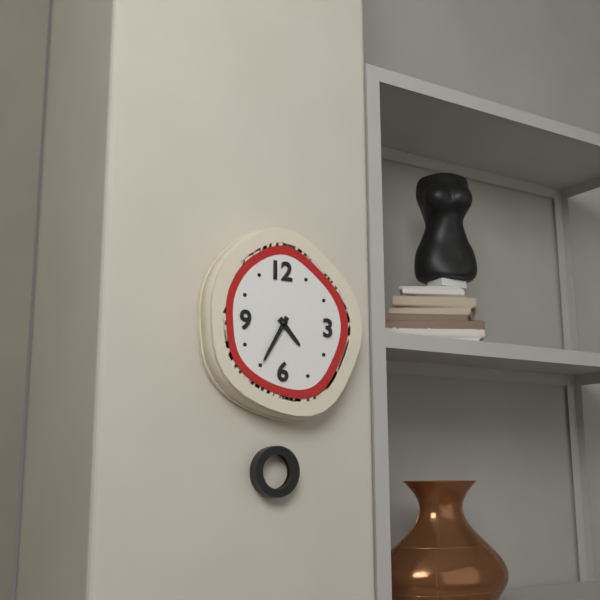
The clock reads 4,35
